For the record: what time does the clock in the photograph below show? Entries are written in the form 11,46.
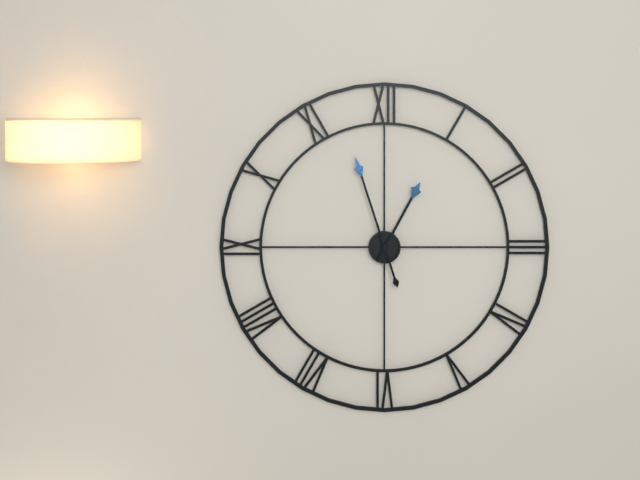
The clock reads 12,57
